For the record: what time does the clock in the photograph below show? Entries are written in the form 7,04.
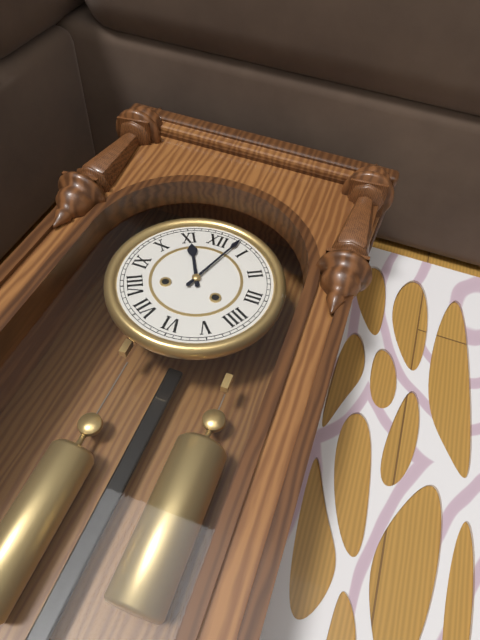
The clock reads 11,03
